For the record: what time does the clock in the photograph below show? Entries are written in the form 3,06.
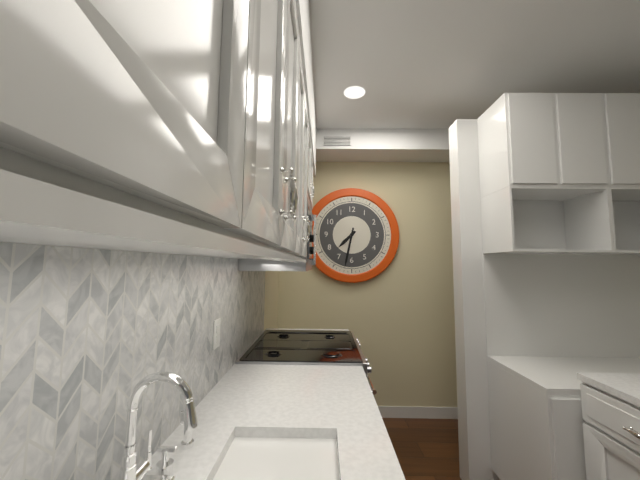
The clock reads 7,32
